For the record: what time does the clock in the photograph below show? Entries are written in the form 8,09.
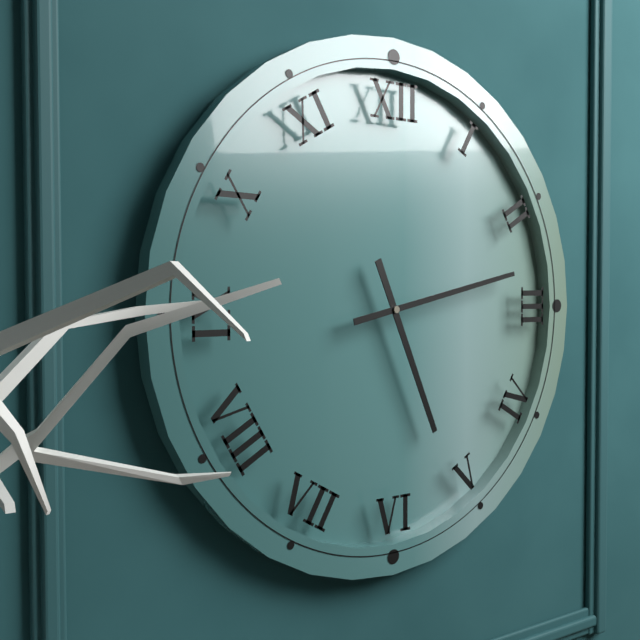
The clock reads 5,13
